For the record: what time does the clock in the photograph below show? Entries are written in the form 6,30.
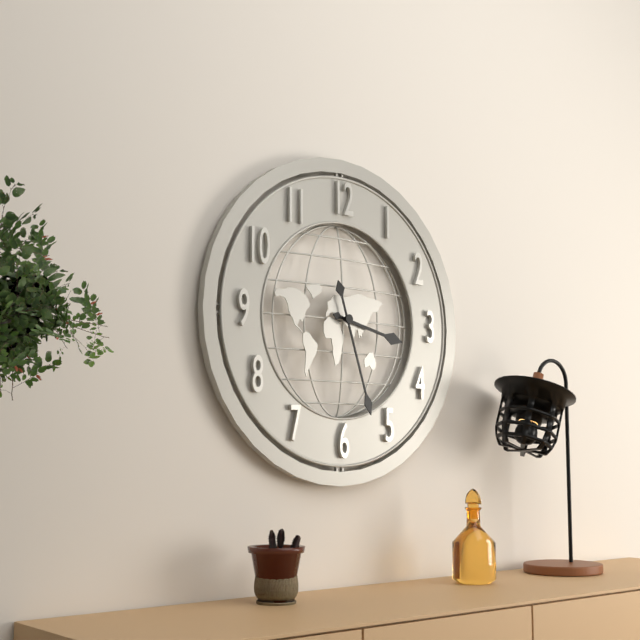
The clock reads 3,27
